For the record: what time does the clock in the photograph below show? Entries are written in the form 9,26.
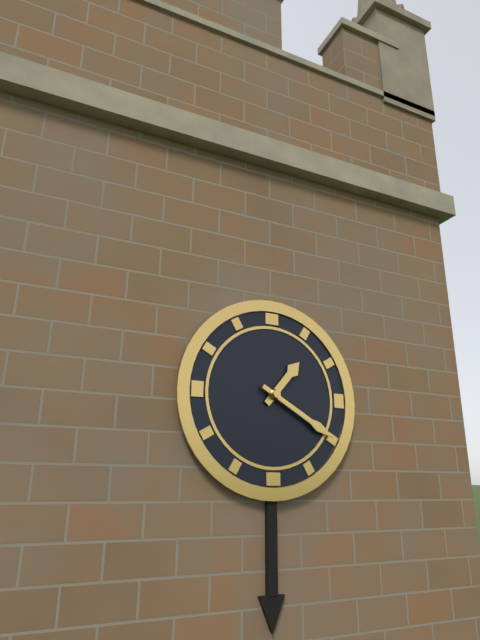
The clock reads 1,20
